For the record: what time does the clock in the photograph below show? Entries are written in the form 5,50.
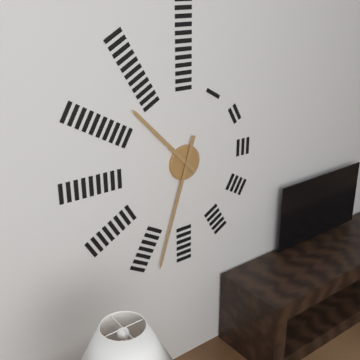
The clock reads 10,33
